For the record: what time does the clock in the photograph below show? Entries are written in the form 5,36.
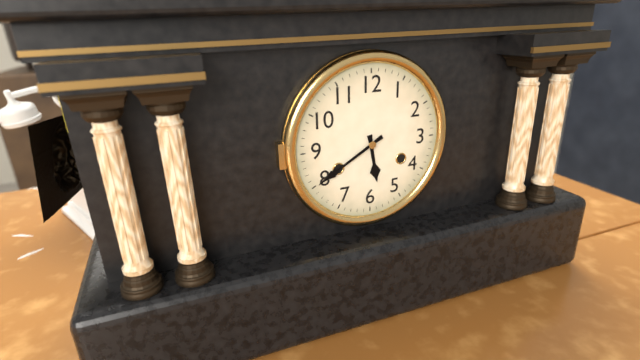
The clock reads 5,40
